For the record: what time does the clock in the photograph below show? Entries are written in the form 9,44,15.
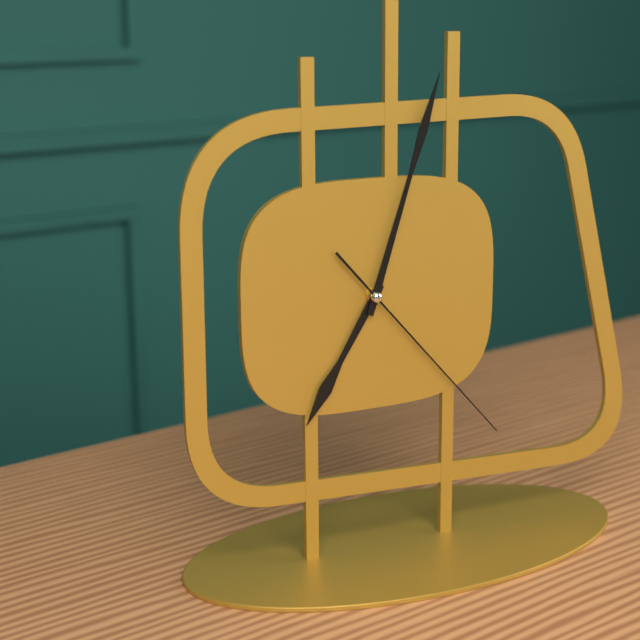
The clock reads 7,03,23
